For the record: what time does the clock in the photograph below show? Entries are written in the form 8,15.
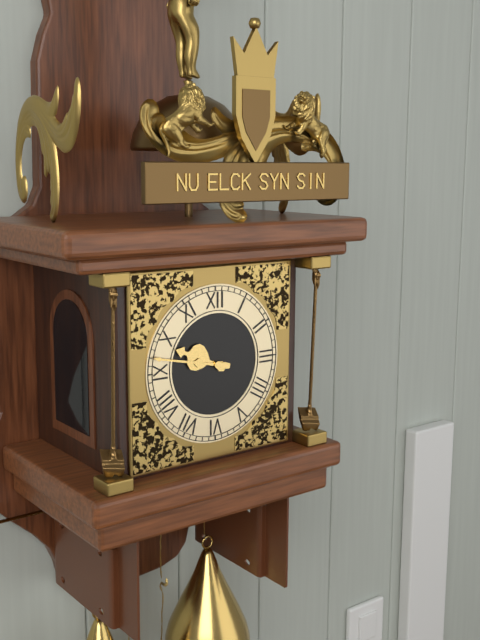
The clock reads 9,47
